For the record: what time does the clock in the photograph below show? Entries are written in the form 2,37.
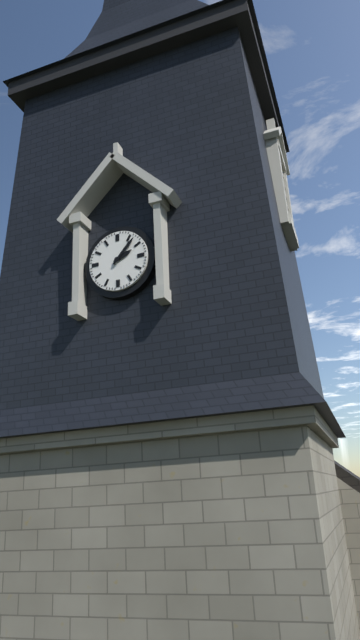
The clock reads 2,07
